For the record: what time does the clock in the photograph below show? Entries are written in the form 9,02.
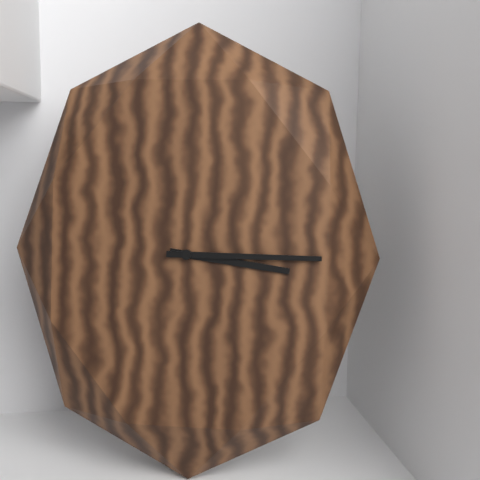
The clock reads 3,15
